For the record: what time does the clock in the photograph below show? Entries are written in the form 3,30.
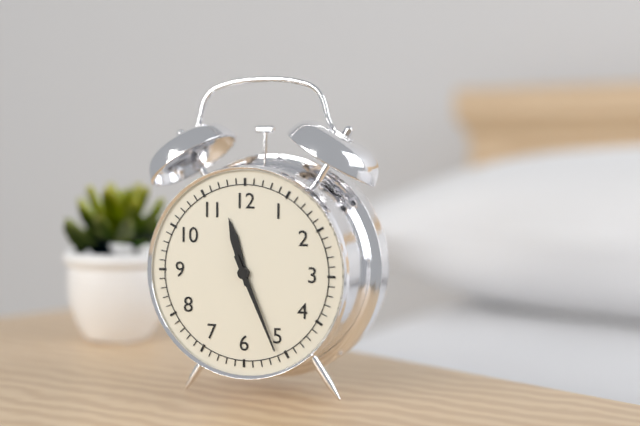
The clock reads 11,26
